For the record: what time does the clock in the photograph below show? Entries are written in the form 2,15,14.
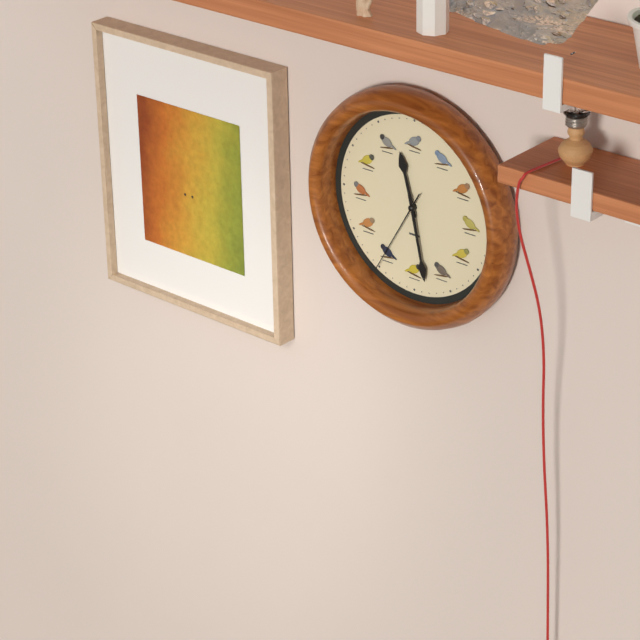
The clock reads 11,28,35
